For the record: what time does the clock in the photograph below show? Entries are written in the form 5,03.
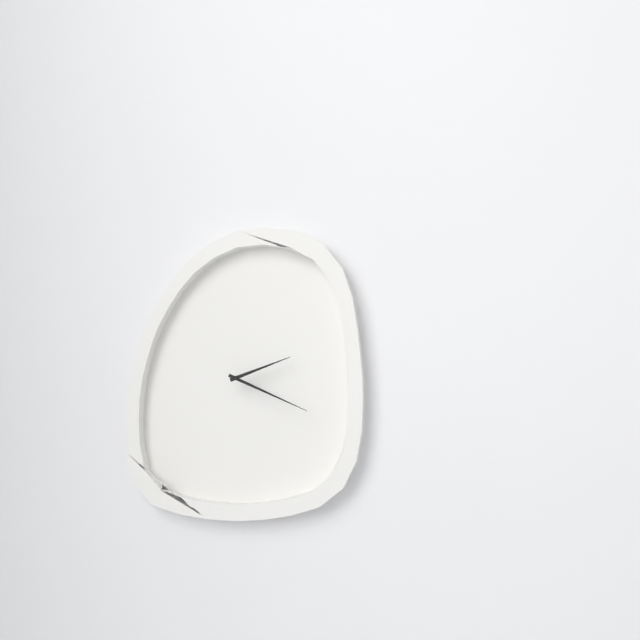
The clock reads 2,19
